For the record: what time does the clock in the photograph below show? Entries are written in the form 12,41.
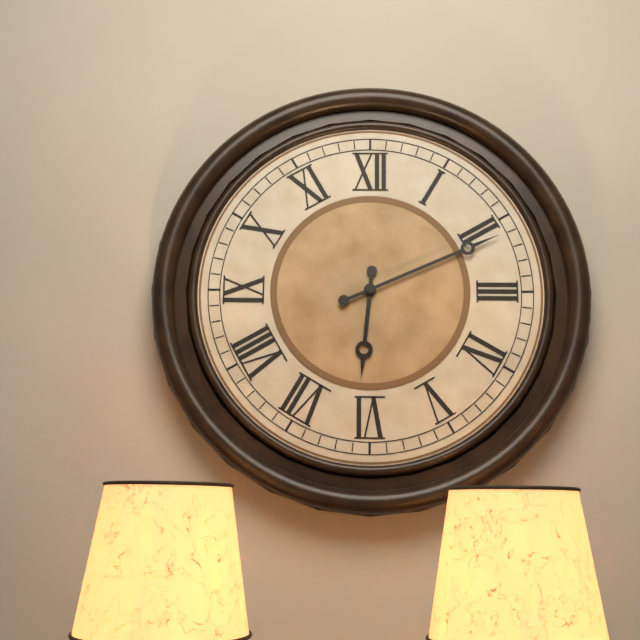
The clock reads 6,11
